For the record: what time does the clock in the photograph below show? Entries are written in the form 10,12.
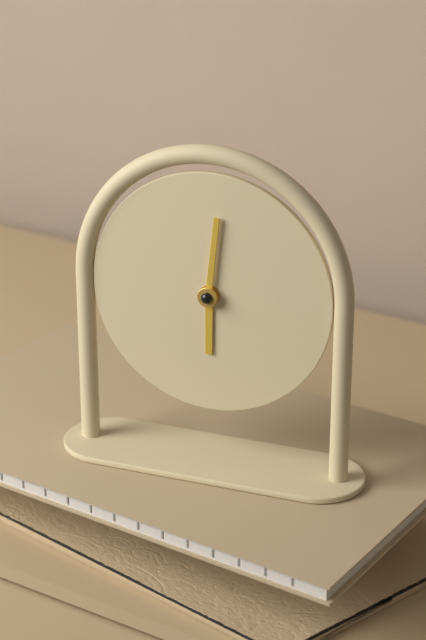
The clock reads 6,01
